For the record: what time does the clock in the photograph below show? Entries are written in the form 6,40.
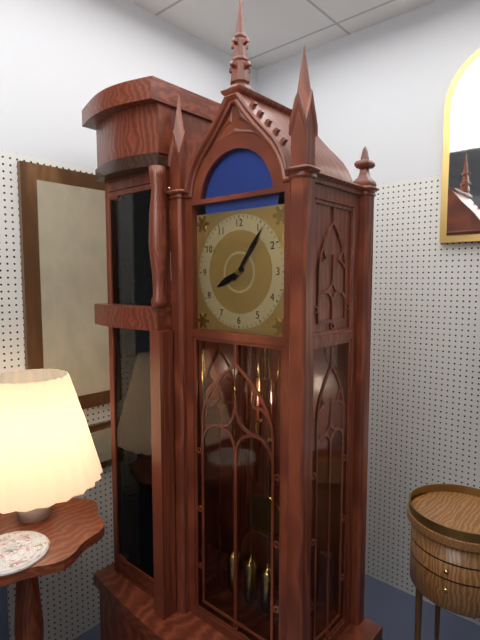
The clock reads 8,06
